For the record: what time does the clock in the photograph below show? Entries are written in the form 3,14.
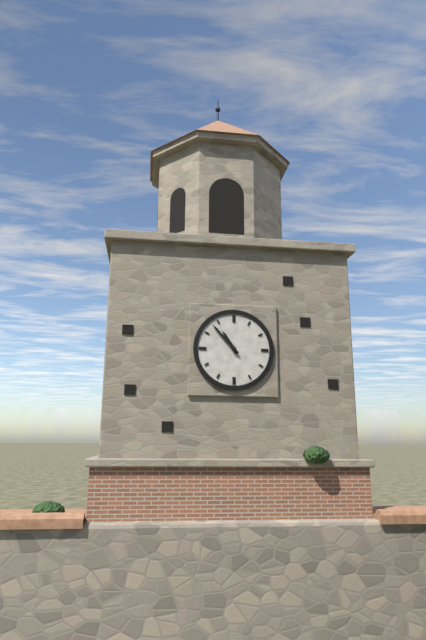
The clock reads 10,53
